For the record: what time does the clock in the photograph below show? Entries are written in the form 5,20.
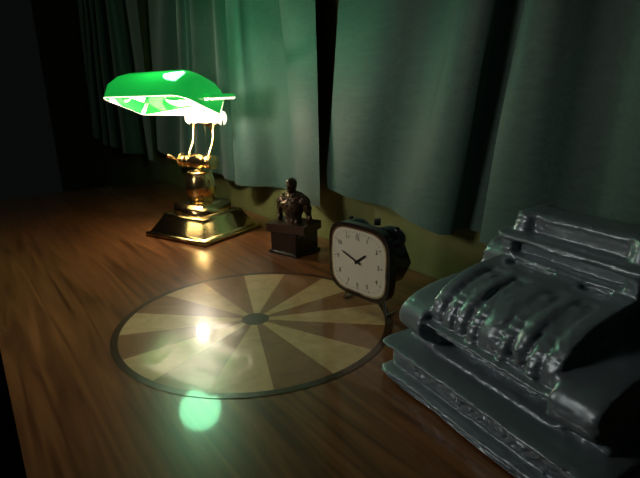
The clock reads 1,48
